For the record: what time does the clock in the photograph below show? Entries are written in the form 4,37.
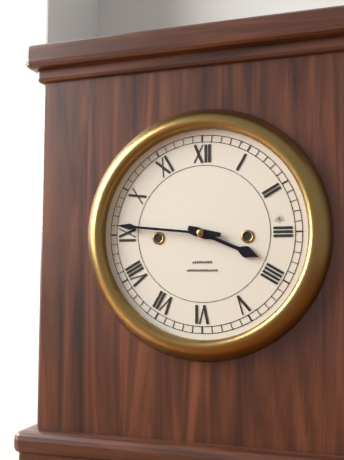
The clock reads 3,46
